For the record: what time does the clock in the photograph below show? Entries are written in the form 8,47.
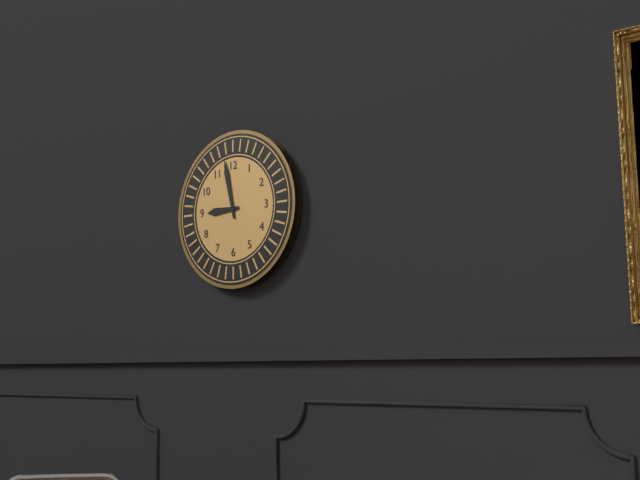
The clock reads 8,58
